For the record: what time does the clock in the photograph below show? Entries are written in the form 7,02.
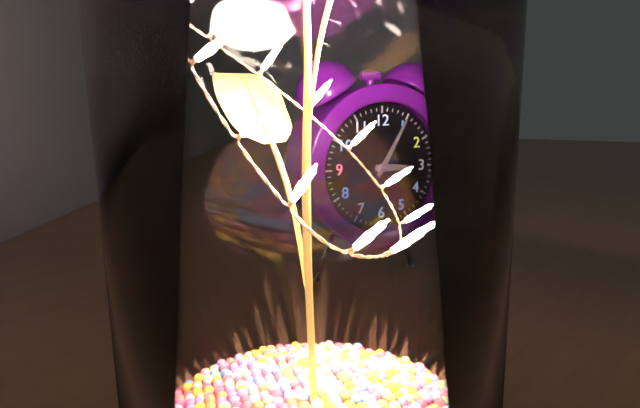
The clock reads 3,05
